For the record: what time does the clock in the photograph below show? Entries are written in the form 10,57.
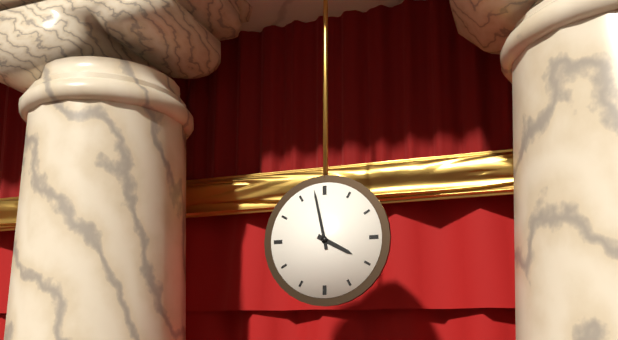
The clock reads 3,58
